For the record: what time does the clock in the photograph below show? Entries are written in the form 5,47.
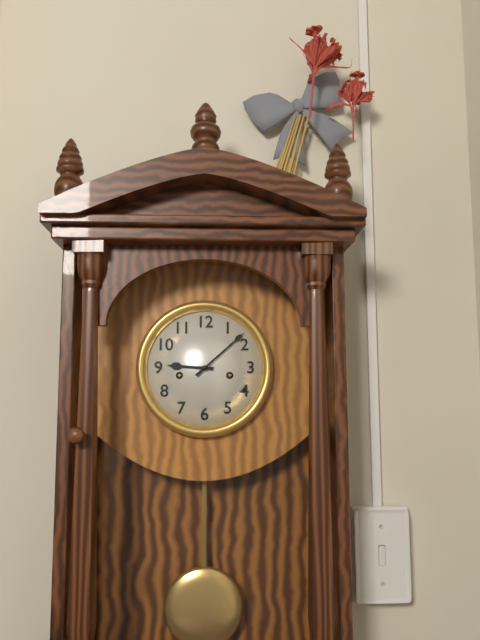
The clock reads 9,08
